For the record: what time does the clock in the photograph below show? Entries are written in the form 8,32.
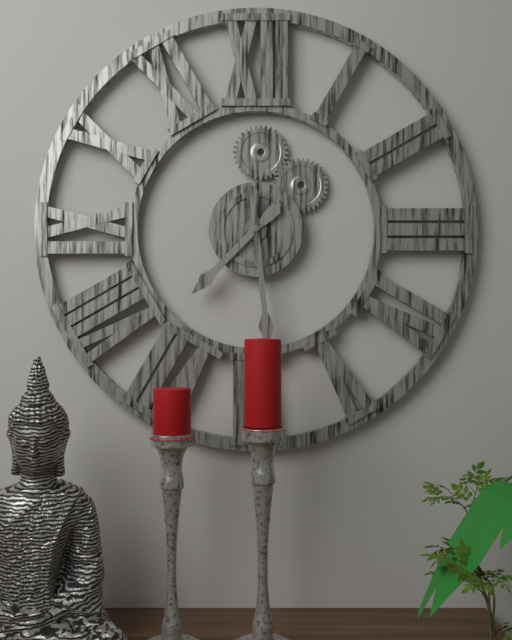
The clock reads 7,29
